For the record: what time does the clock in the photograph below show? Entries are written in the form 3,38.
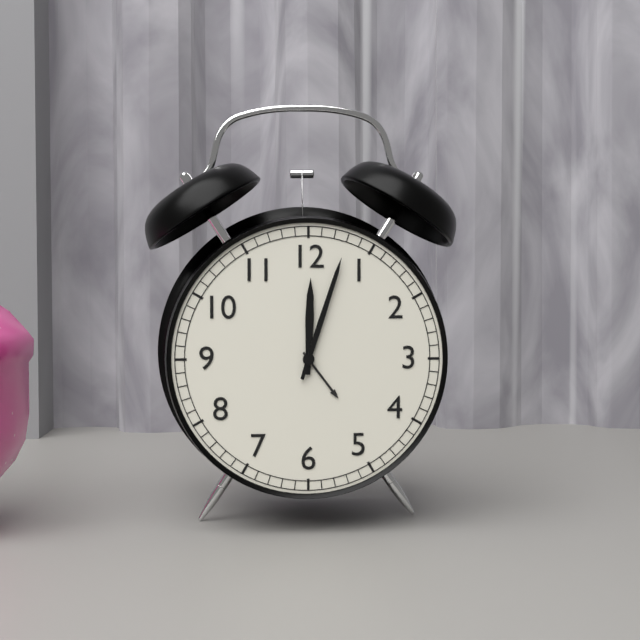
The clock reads 12,03
